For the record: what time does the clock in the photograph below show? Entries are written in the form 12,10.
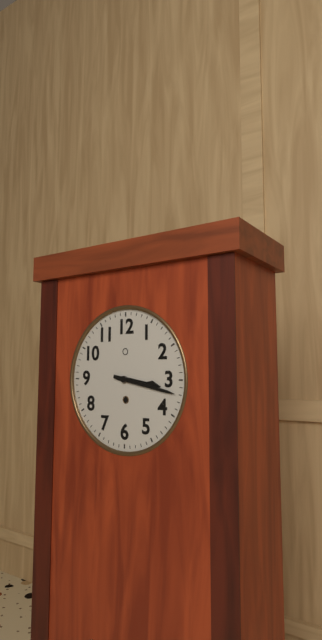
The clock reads 3,17
